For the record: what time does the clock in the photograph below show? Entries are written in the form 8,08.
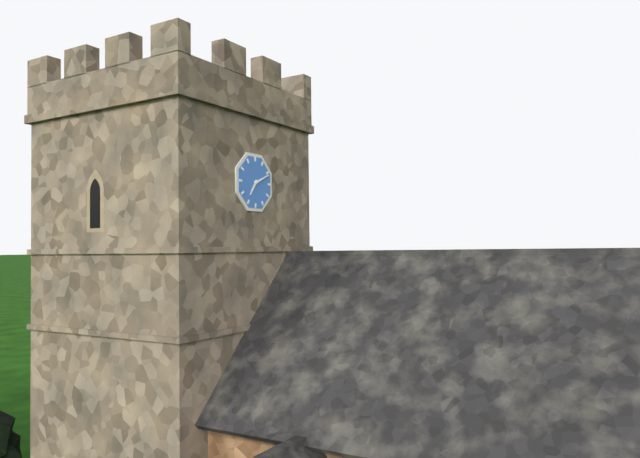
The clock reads 7,11
